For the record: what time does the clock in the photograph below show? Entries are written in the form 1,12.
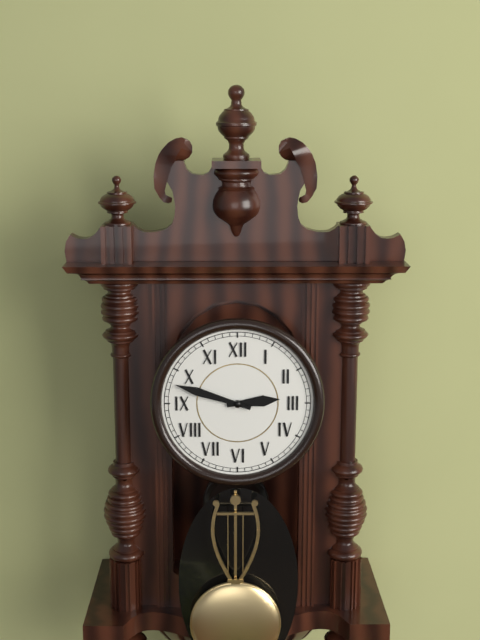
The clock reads 2,48
